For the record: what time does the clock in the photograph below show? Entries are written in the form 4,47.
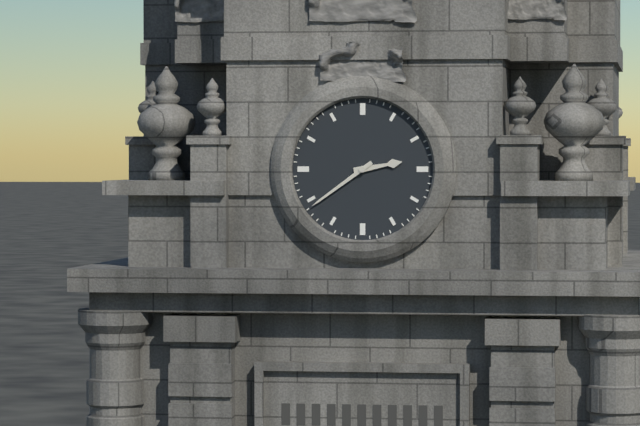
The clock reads 2,39
